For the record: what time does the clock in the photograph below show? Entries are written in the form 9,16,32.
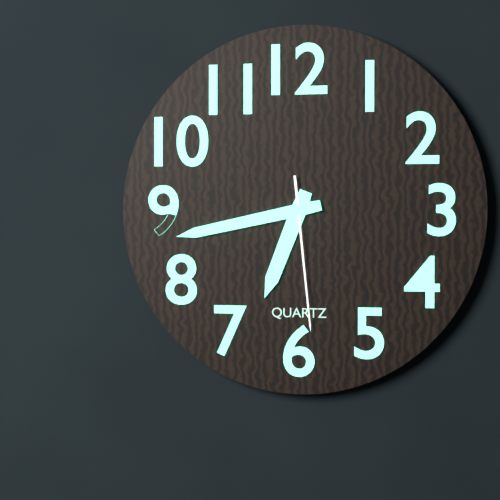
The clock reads 6,43,29
